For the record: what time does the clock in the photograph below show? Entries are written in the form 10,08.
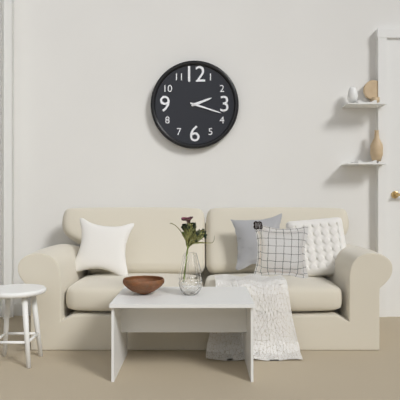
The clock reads 2,18
